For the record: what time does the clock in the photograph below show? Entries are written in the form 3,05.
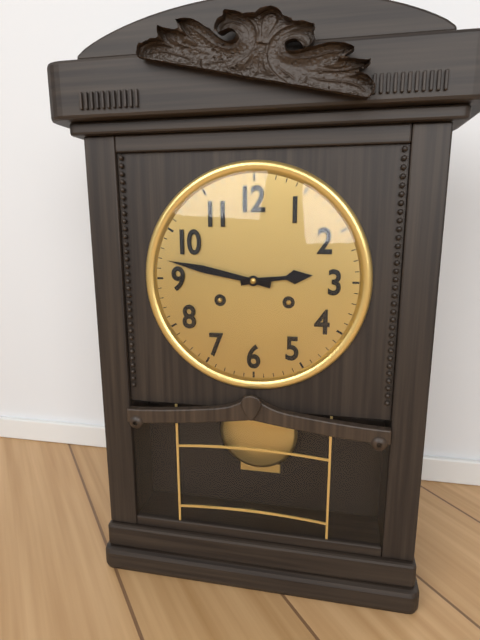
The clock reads 2,47
